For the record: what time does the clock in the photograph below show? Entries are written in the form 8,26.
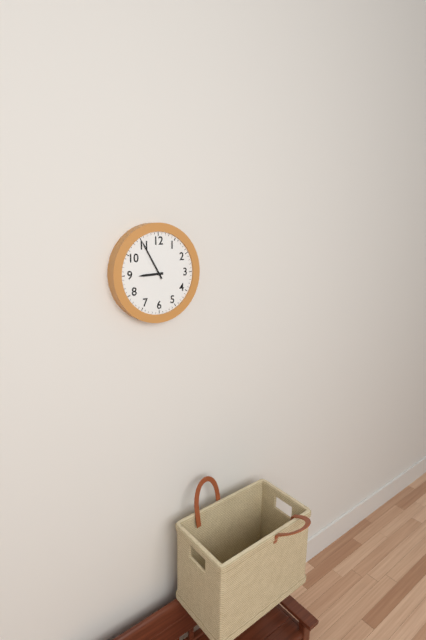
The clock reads 8,55
